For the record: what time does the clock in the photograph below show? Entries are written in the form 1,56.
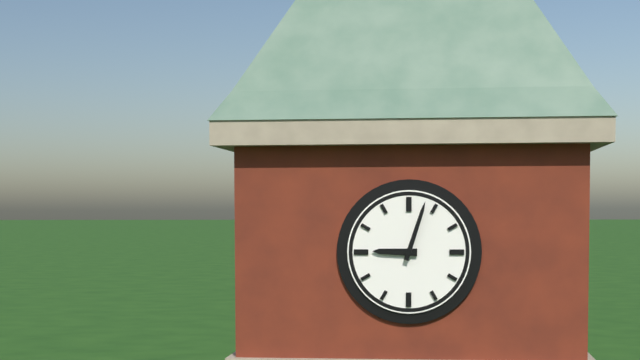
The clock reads 9,03
